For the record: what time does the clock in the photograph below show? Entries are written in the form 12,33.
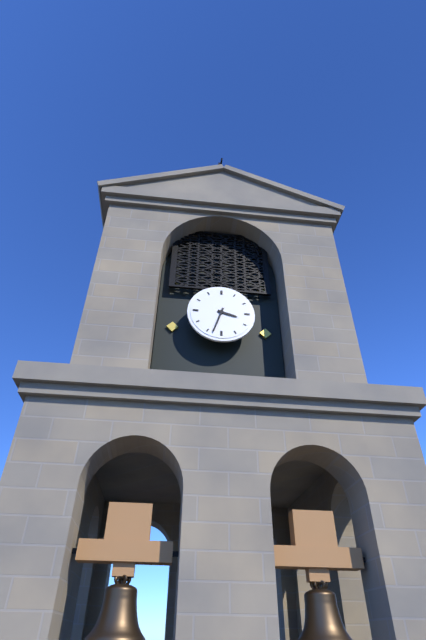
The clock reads 3,33
